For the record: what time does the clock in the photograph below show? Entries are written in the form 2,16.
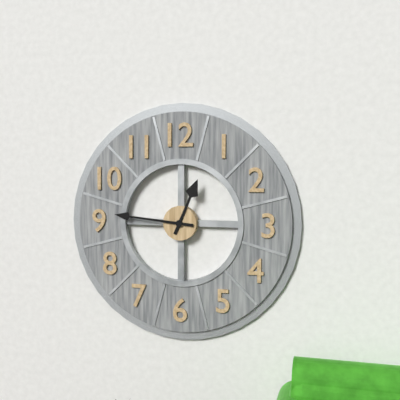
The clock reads 12,46
